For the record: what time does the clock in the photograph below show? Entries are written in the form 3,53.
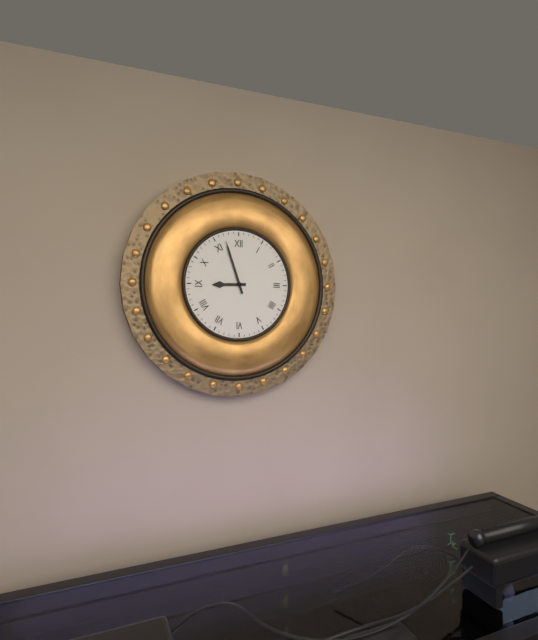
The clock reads 8,57
